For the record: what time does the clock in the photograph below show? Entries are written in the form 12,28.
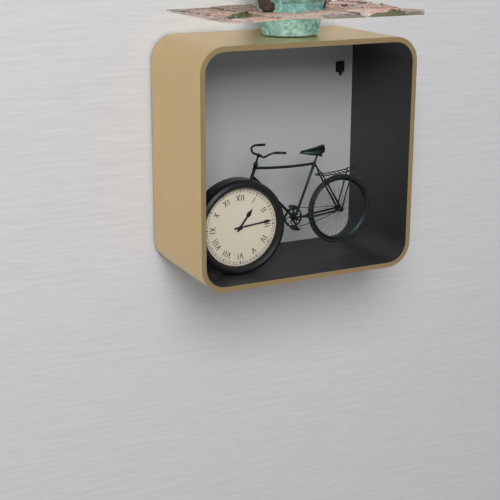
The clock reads 1,14
